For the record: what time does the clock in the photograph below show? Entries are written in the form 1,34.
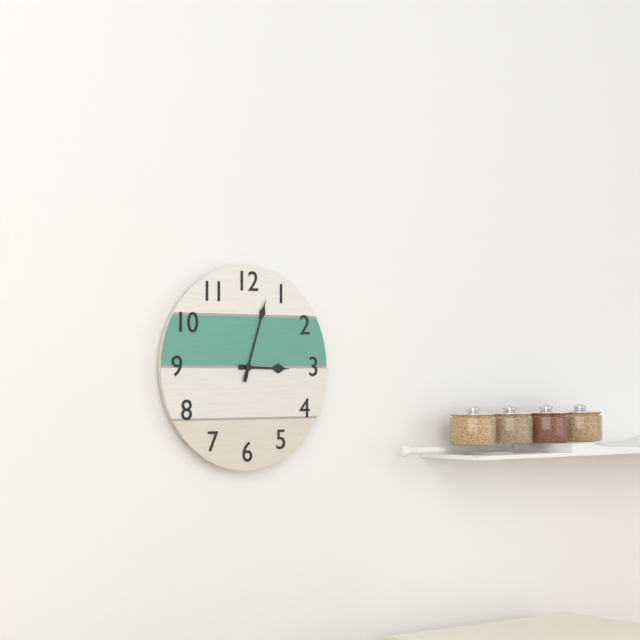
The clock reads 3,03
